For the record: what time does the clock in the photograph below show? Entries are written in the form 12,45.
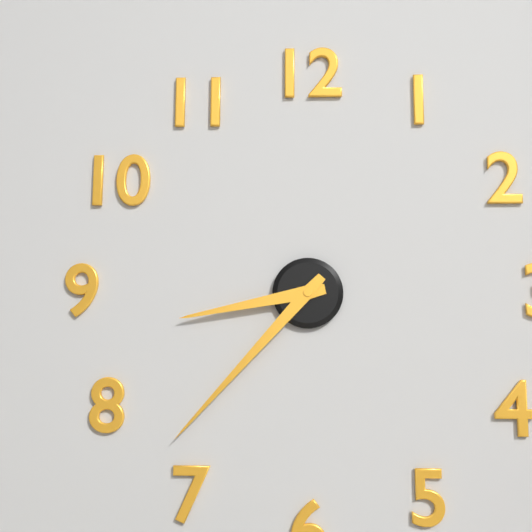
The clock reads 8,37
